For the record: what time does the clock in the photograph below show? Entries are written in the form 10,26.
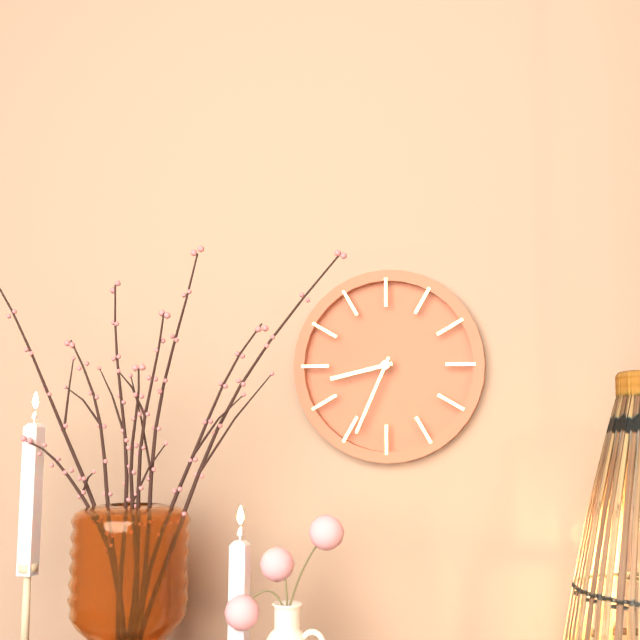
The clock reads 8,34
